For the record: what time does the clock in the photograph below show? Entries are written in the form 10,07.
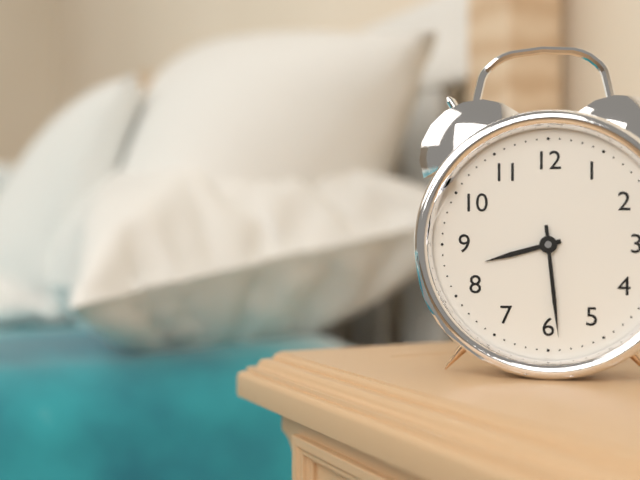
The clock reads 8,29
